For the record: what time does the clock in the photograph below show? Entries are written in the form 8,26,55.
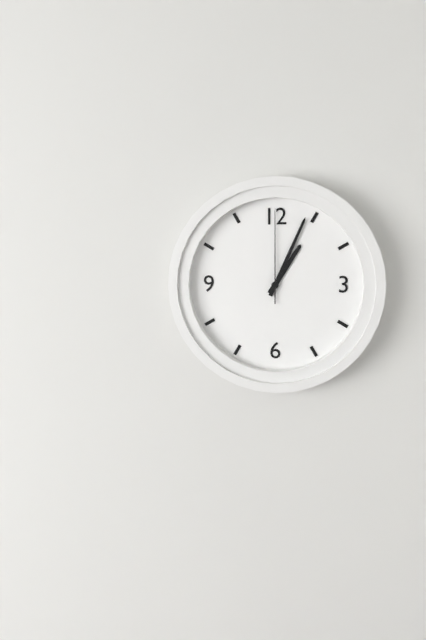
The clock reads 1,04,00
